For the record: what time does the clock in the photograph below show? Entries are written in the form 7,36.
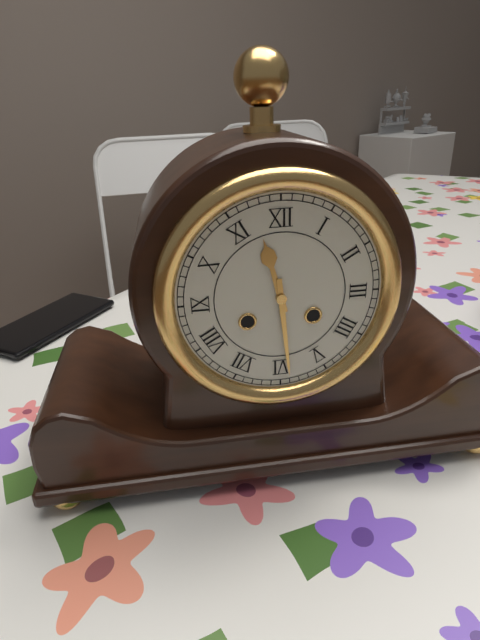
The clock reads 11,29
